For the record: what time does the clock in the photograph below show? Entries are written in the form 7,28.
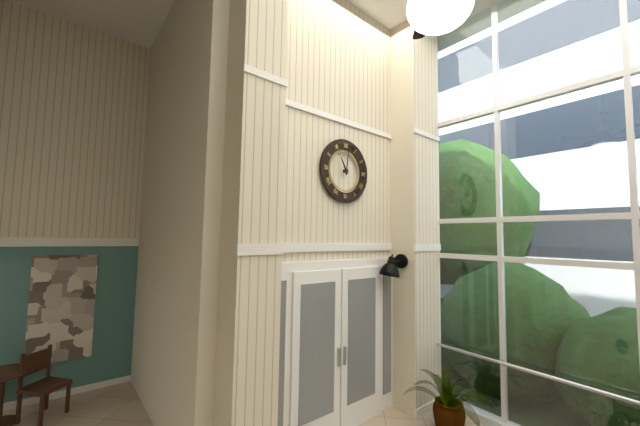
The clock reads 11,01
